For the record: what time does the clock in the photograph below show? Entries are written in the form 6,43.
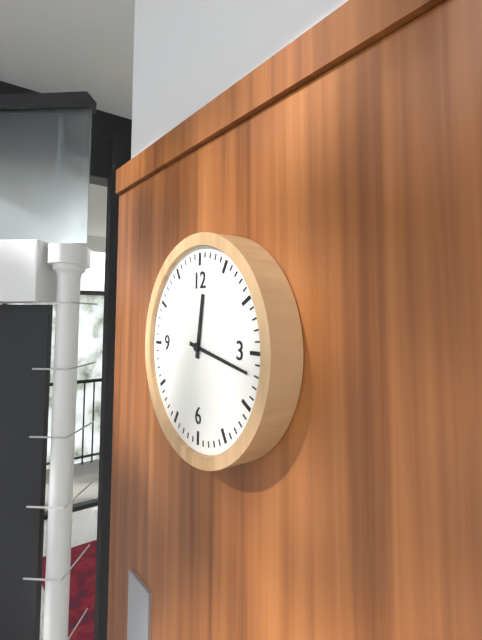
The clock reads 12,17
